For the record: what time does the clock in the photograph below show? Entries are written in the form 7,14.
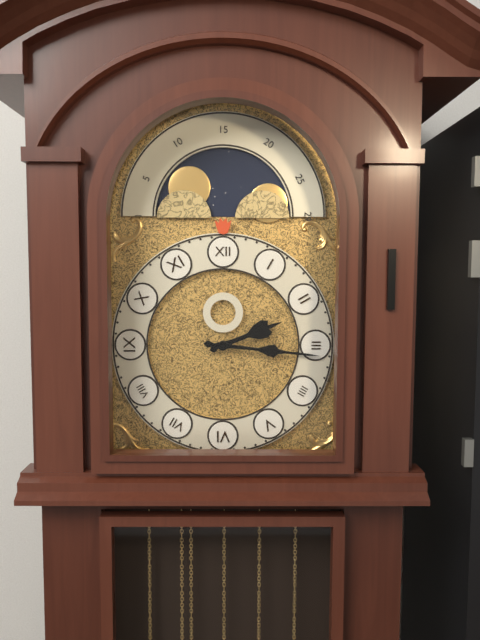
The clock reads 2,16
